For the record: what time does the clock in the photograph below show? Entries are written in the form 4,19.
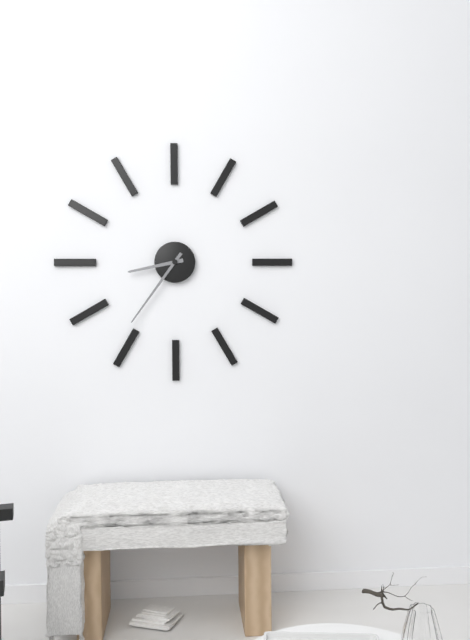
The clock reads 8,36
